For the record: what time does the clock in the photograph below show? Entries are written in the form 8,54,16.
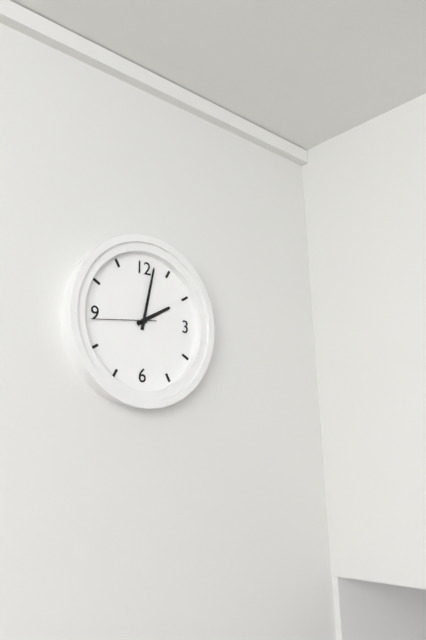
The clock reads 2,02,44
